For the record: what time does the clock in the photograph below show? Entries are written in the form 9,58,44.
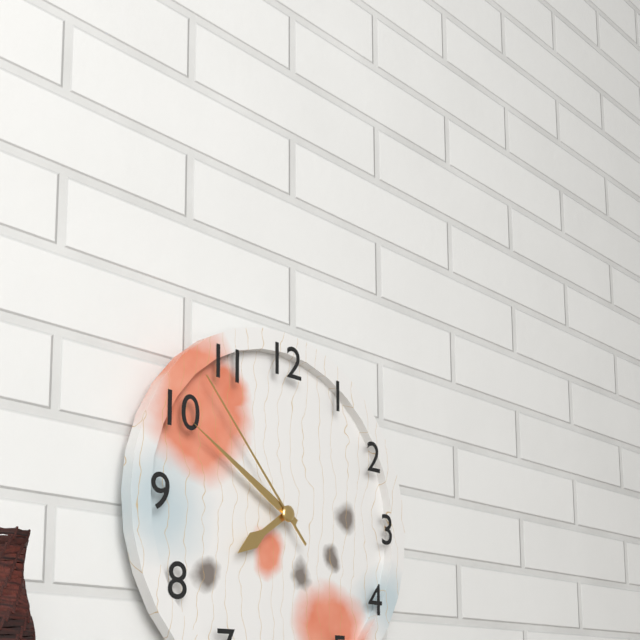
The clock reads 7,50,53
